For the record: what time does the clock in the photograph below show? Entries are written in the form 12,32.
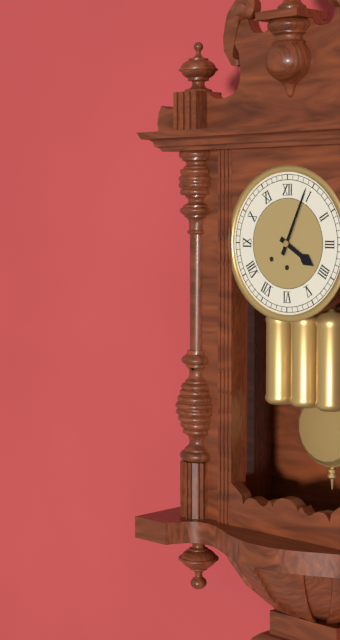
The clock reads 4,04
